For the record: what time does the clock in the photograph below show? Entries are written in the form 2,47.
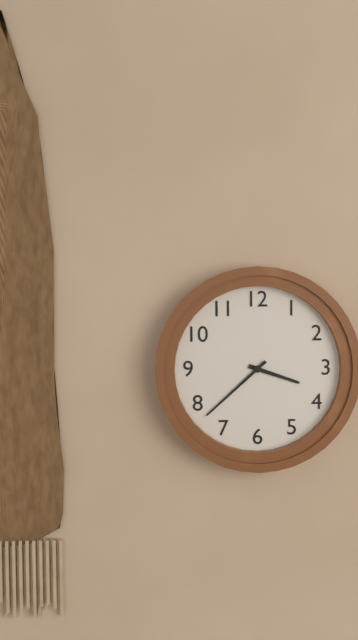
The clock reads 3,38
